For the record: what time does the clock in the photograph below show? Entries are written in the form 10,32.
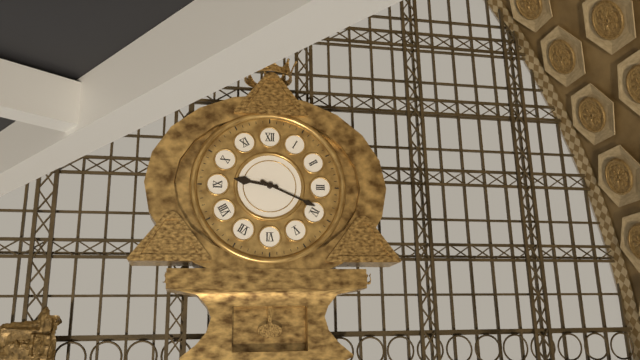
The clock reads 9,19
